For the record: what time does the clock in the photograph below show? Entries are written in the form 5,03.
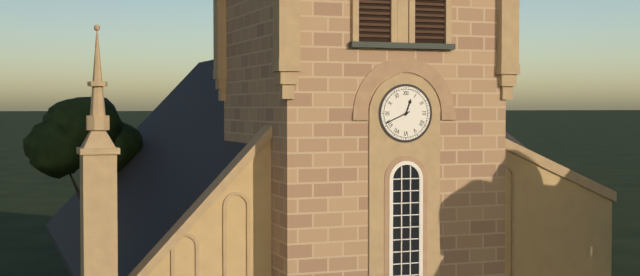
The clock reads 12,41
